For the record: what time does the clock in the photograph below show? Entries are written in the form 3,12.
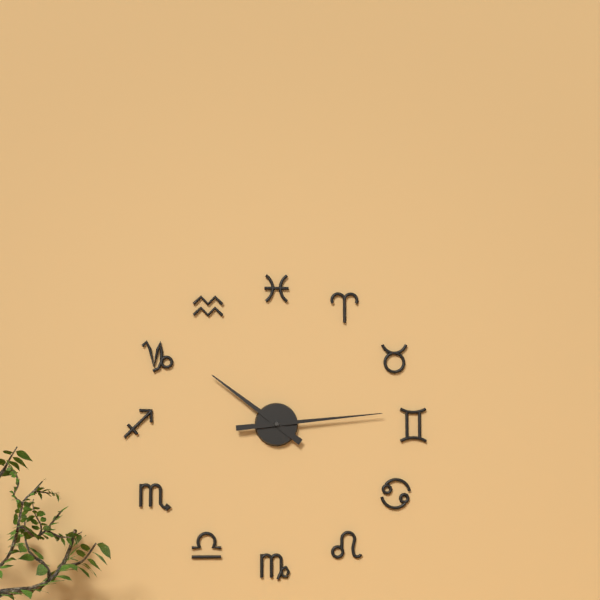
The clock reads 10,14
